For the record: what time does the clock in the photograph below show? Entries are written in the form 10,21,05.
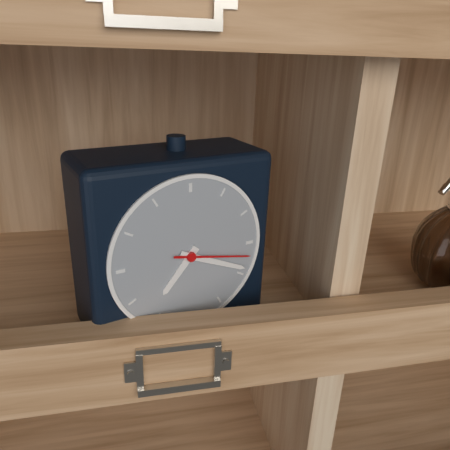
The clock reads 7,19,17
